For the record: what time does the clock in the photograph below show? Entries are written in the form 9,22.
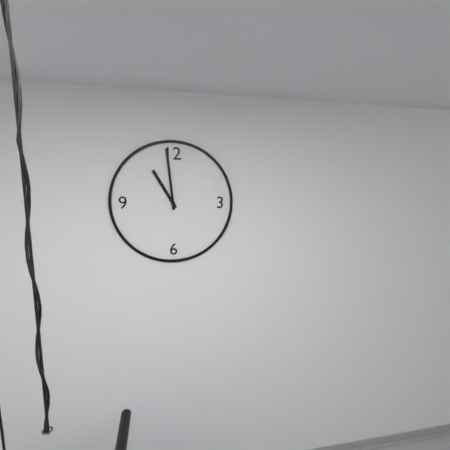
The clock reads 10,59
